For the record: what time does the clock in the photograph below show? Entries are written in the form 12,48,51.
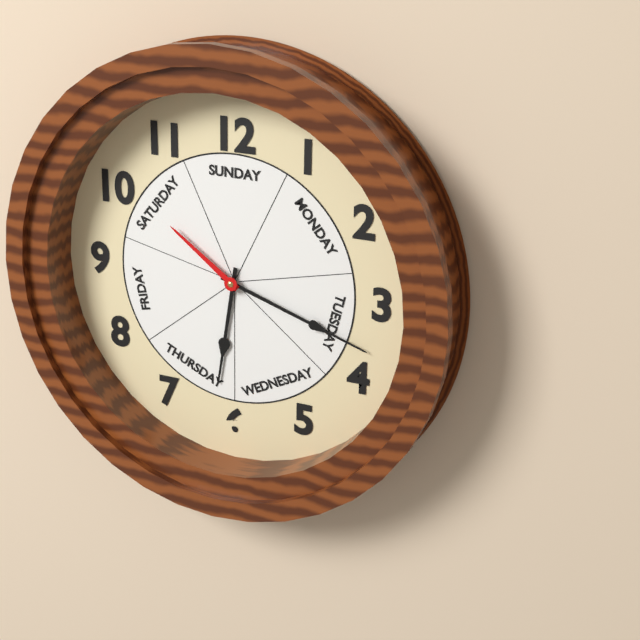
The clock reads 6,18,51
